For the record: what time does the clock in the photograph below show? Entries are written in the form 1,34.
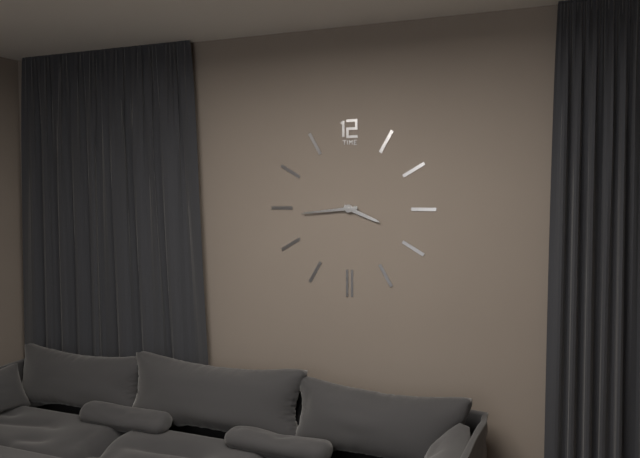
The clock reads 3,44
